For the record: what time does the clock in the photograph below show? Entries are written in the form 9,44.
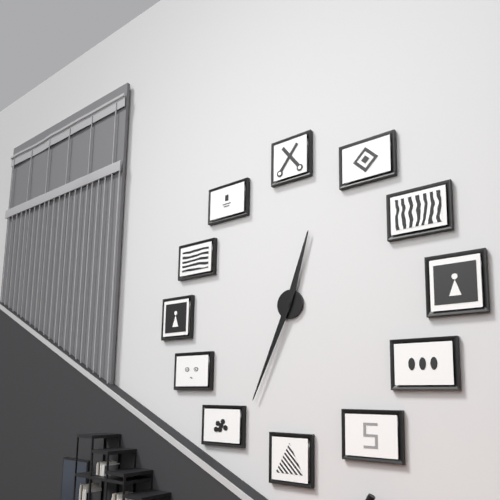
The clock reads 12,34
